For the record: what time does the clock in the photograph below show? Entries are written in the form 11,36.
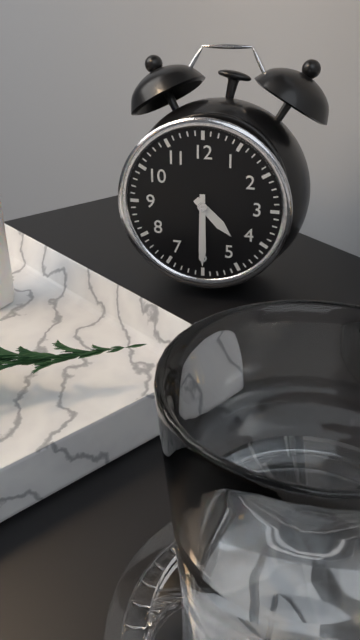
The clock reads 4,30
